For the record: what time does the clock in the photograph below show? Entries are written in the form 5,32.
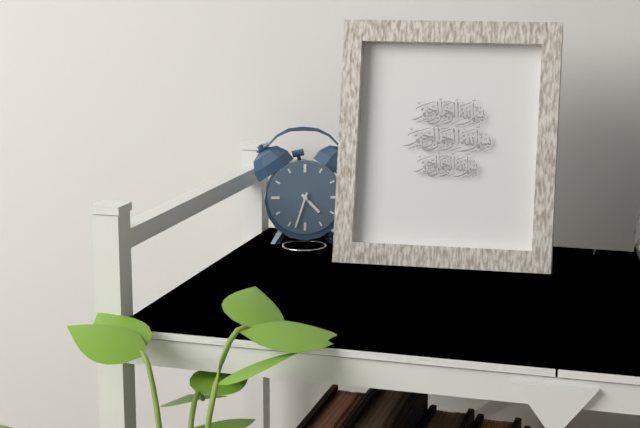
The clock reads 4,33
